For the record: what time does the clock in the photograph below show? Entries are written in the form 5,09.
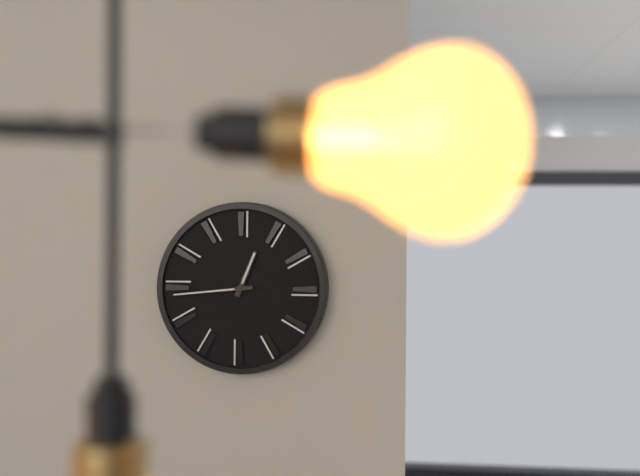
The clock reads 12,44
